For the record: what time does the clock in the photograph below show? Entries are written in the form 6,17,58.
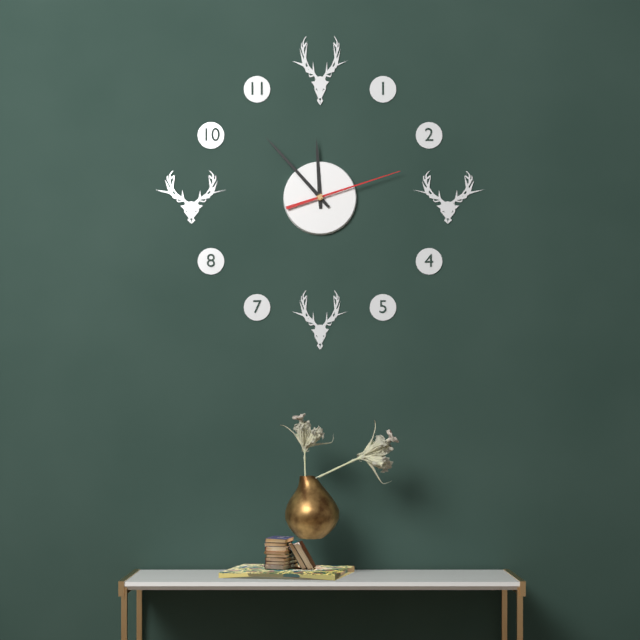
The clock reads 11,53,12
